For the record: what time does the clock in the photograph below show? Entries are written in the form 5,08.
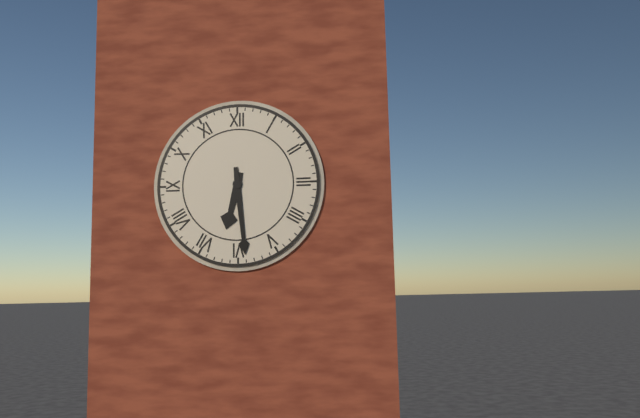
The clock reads 6,29
